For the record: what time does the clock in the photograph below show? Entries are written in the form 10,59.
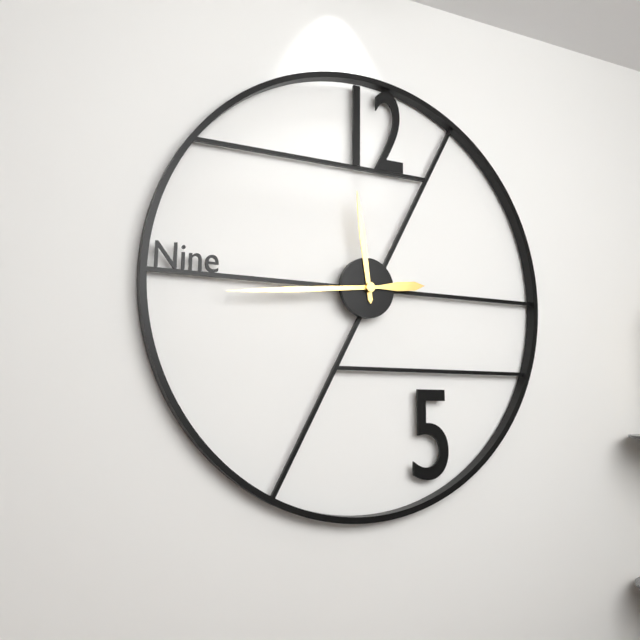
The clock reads 11,44
